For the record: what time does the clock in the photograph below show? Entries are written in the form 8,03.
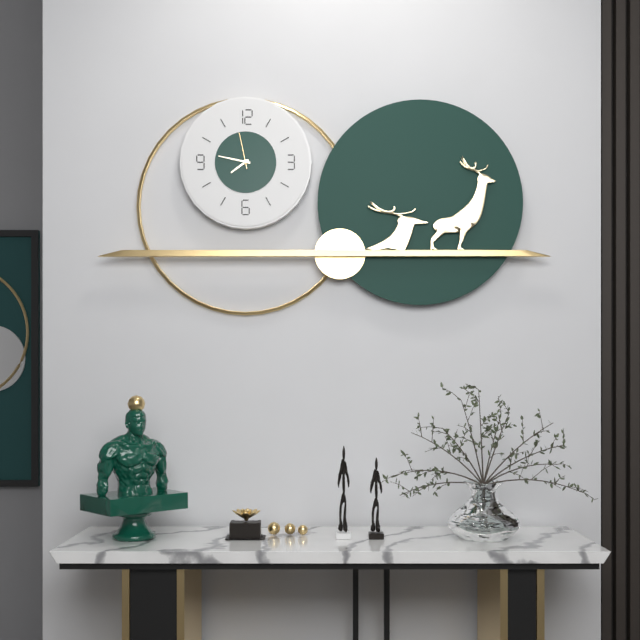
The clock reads 7,47
